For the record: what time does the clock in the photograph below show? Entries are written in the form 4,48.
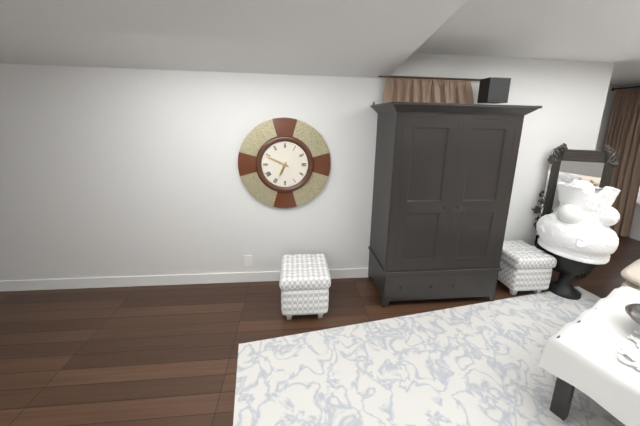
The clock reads 6,49
